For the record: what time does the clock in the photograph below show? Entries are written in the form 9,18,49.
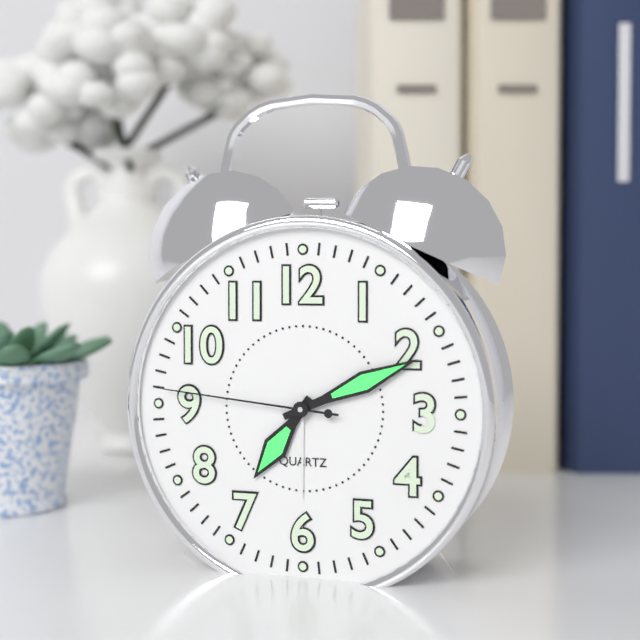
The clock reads 7,11,46
